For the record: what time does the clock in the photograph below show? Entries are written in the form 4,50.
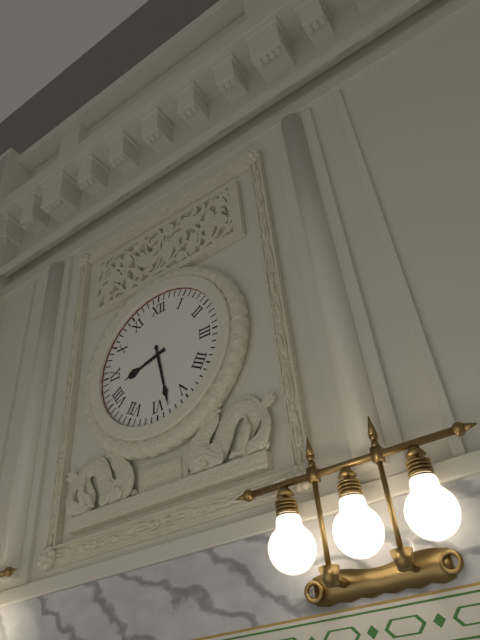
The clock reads 8,28
